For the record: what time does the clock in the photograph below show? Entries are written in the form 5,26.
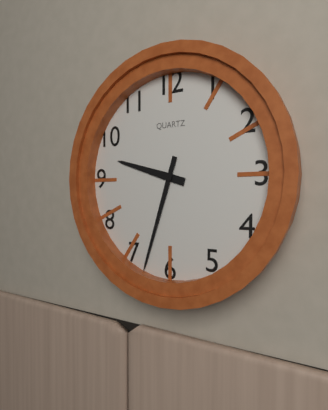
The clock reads 9,33
